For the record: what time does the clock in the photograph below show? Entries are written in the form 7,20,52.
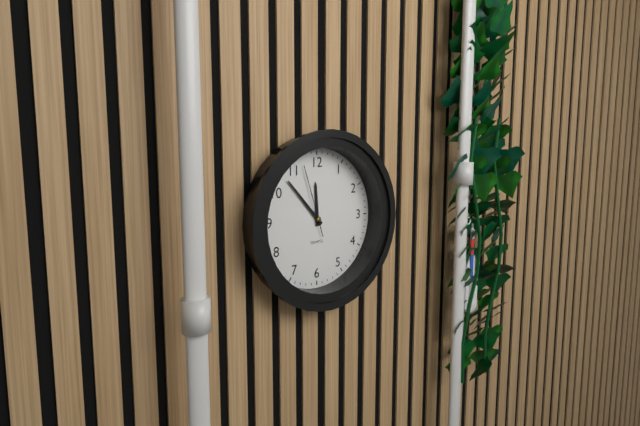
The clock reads 11,53,57
